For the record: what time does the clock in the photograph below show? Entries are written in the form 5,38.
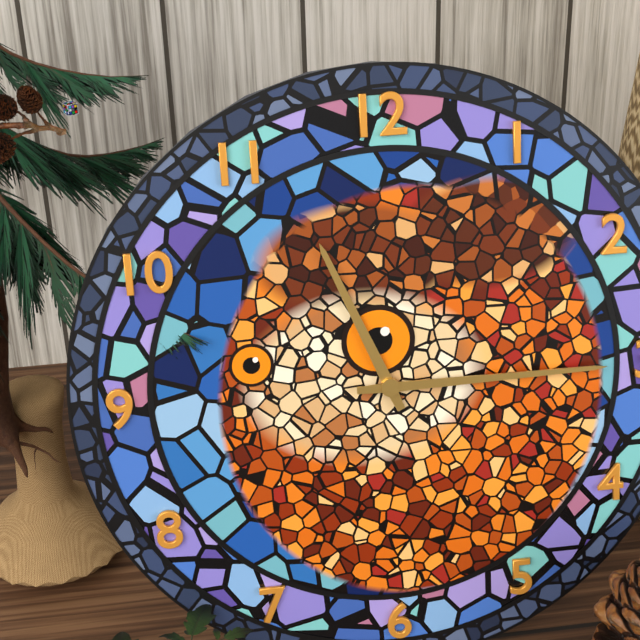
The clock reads 11,15
